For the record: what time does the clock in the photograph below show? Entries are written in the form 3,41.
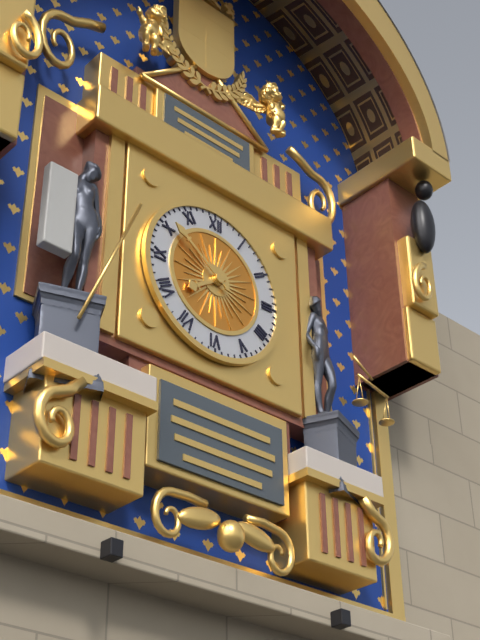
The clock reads 7,51
